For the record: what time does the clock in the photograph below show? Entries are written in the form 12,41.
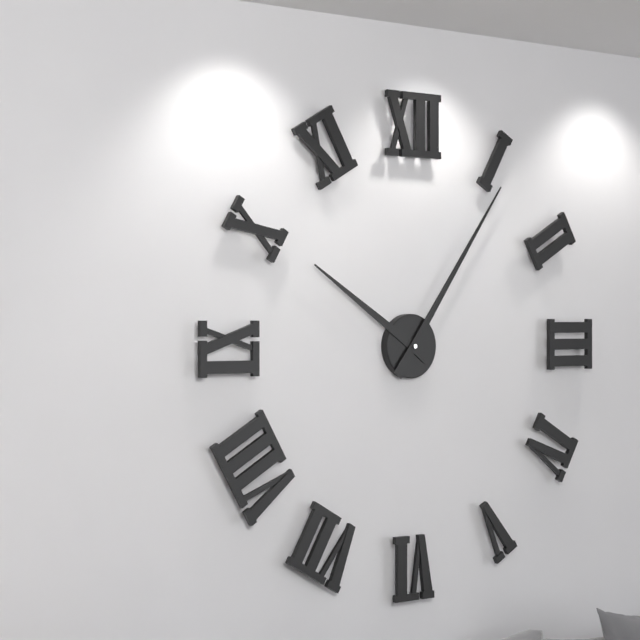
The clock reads 10,06
